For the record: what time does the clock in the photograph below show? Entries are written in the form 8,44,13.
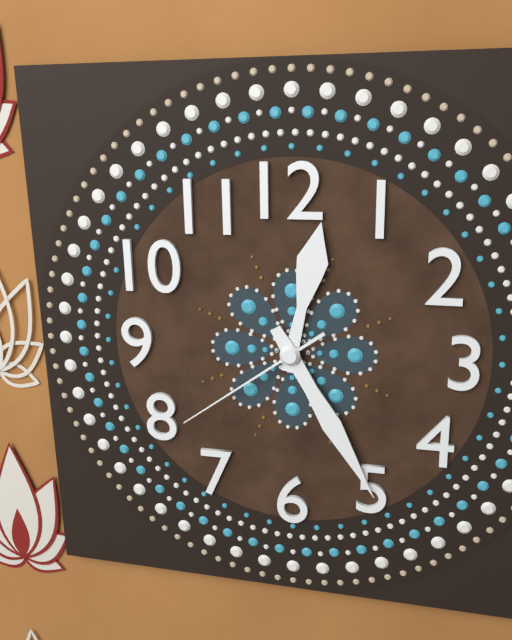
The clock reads 12,25,39
